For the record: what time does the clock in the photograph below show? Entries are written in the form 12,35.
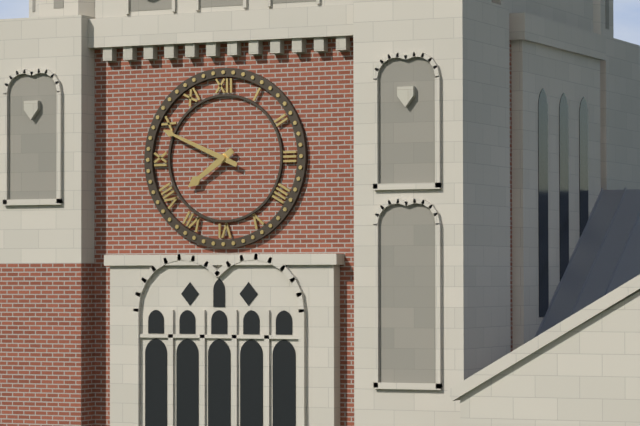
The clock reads 7,49
